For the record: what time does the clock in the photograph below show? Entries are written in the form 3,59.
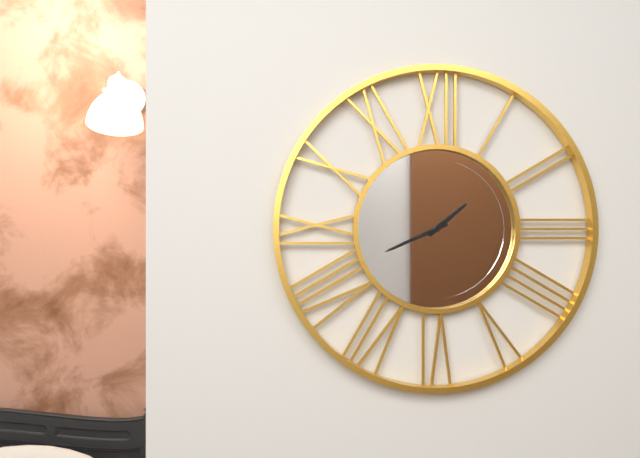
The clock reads 1,41
